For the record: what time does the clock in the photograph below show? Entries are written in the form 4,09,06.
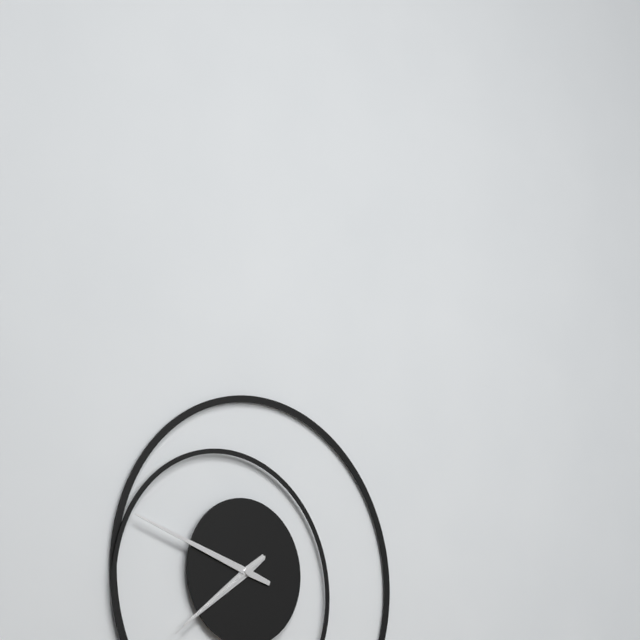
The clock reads 7,48,39
